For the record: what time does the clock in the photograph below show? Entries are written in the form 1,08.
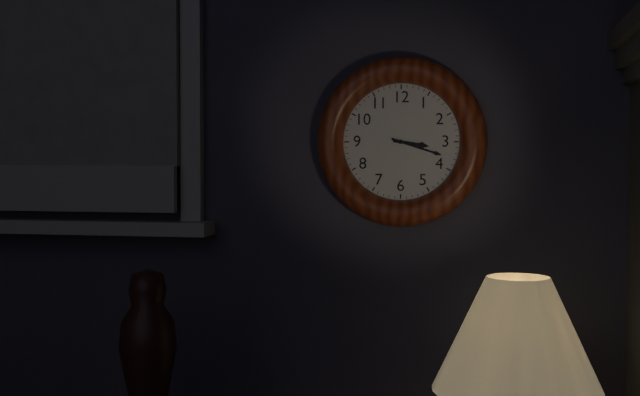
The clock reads 3,18
